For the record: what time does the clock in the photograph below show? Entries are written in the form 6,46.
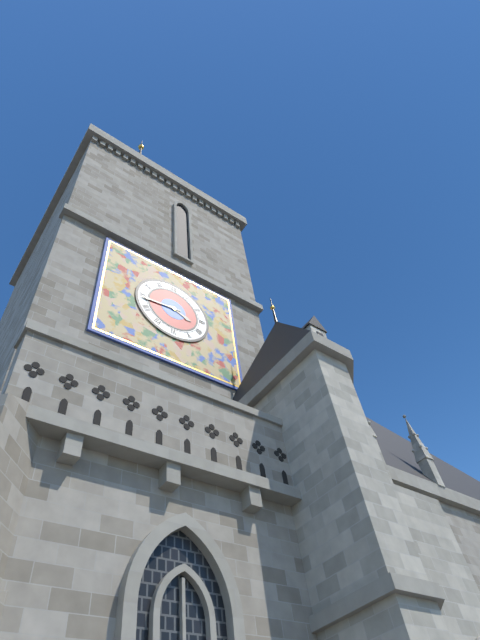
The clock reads 3,44
